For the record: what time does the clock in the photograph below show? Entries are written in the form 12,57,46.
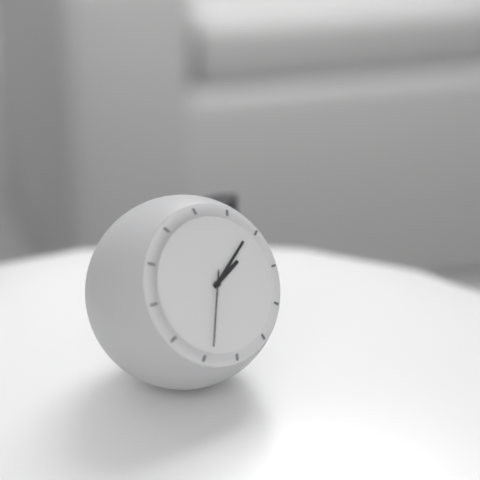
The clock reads 2,09,34
